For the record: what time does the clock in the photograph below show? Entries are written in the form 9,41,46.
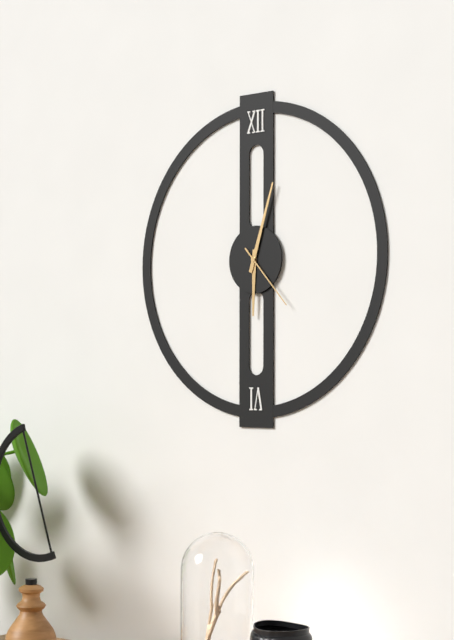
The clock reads 6,03,23
